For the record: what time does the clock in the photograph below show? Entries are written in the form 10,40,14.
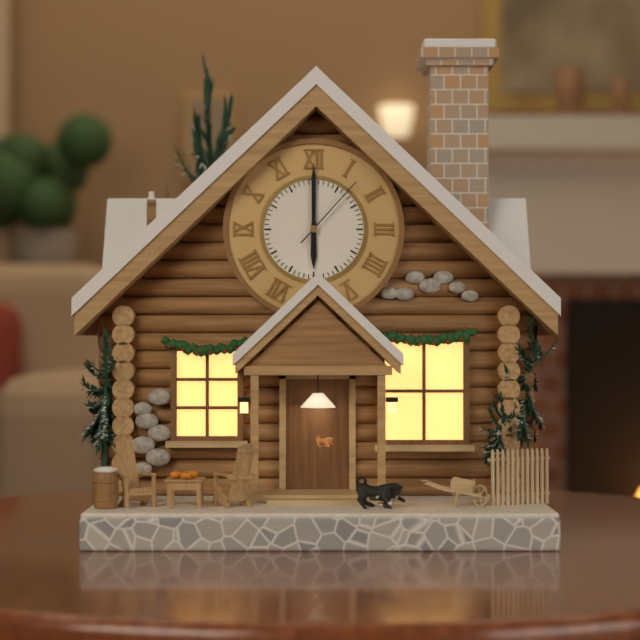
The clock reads 6,00,07
